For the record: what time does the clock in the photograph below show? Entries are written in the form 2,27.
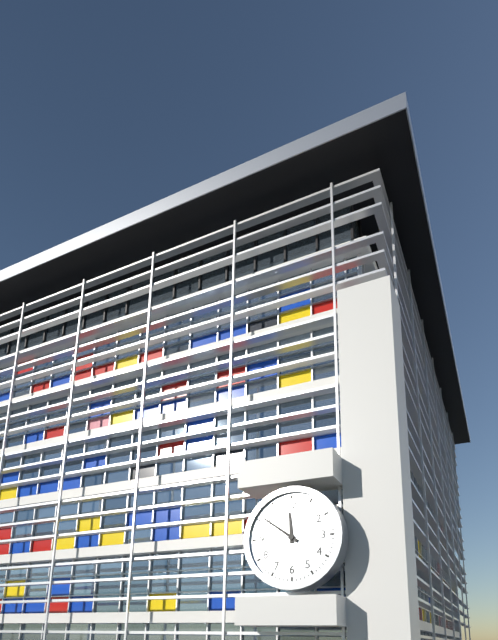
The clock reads 11,51
